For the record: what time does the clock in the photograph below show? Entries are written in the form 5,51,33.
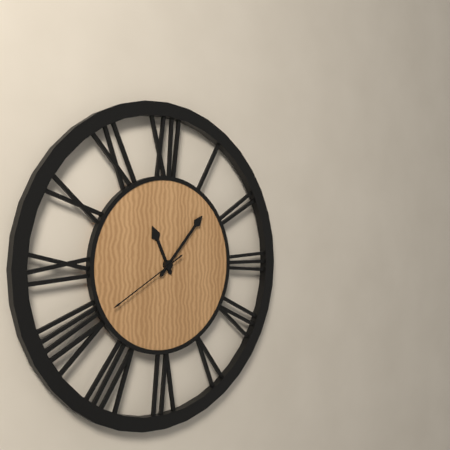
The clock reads 11,07,40
